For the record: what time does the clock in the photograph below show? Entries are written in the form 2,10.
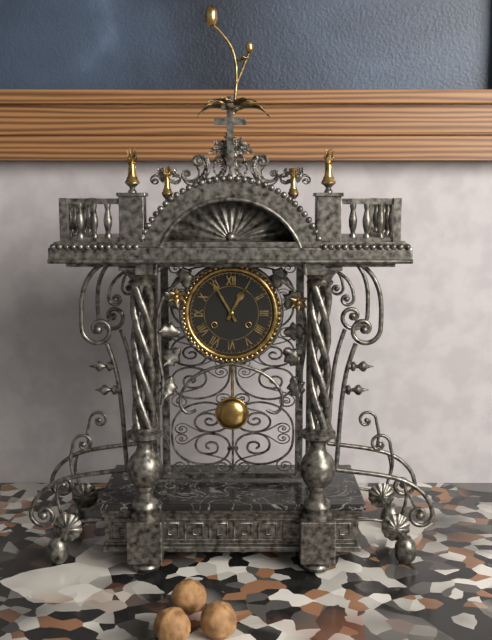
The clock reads 12,55
